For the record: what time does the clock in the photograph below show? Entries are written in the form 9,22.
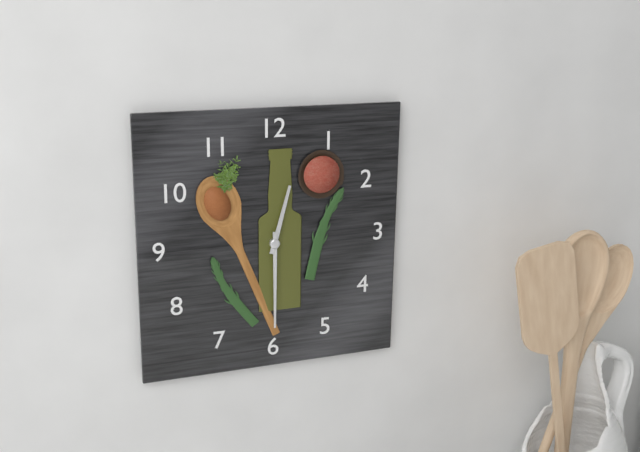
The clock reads 12,30
